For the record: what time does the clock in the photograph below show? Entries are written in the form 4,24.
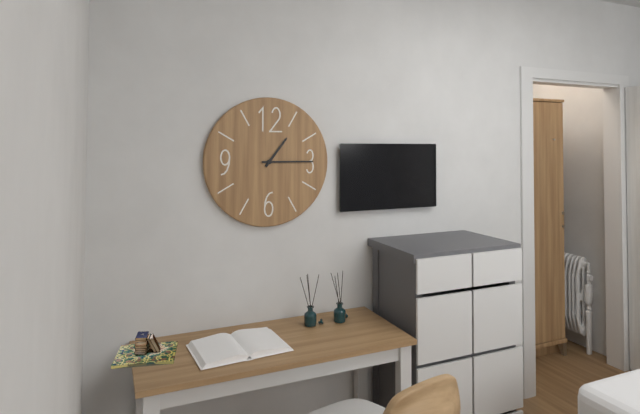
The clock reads 1,15
